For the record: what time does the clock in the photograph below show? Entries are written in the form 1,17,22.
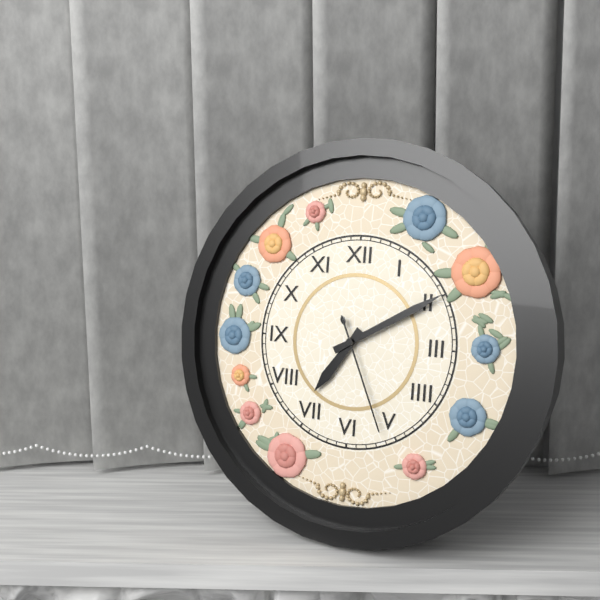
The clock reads 7,10,26
